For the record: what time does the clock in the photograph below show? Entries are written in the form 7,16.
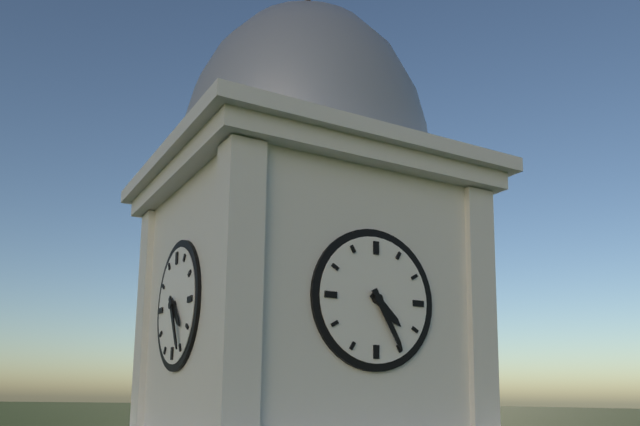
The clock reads 4,25
